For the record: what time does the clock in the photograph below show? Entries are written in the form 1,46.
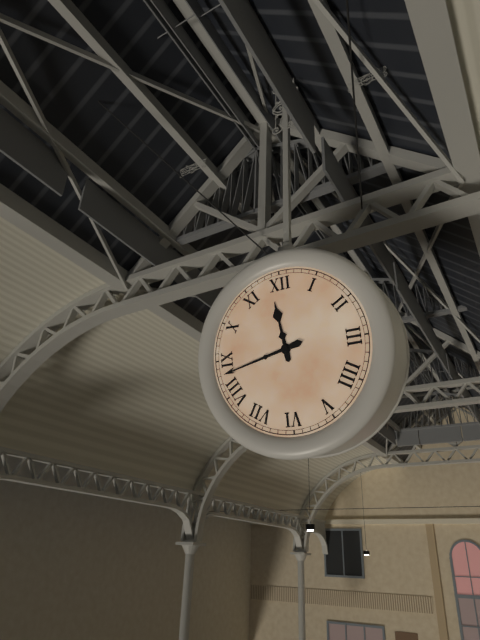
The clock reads 11,43
